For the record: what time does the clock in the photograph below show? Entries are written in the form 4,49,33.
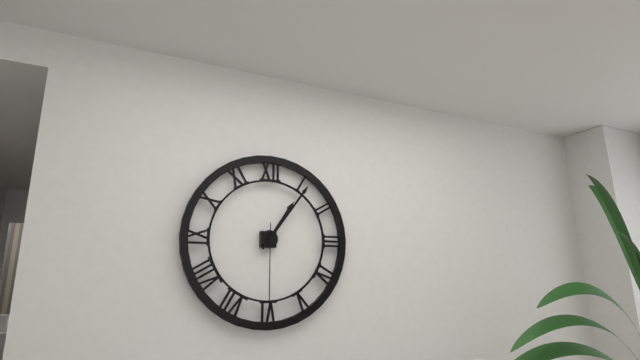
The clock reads 1,06,30
